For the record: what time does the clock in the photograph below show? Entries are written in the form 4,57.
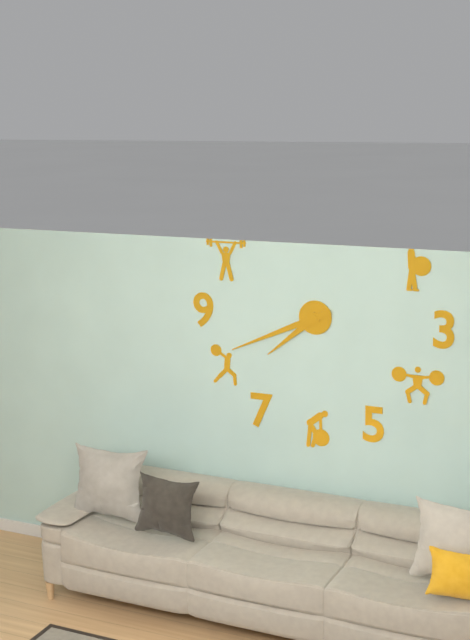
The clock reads 7,41
